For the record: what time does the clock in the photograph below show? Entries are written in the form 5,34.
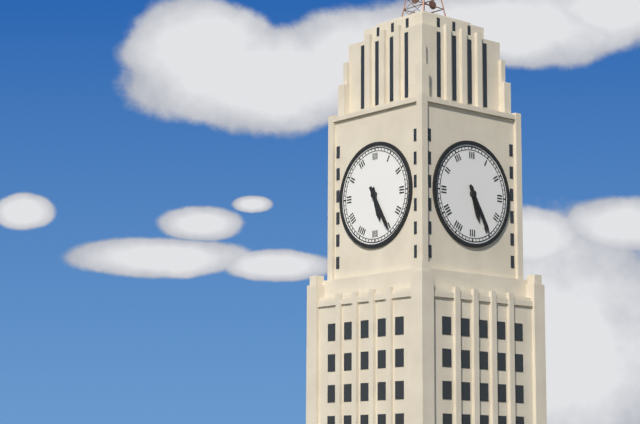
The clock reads 5,25
